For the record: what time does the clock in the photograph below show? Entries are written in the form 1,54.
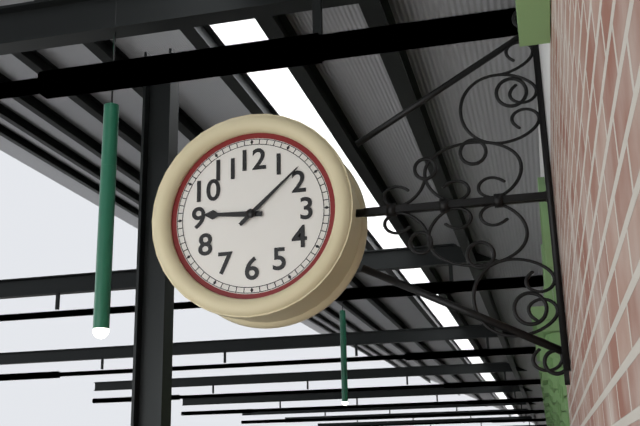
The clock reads 9,08
